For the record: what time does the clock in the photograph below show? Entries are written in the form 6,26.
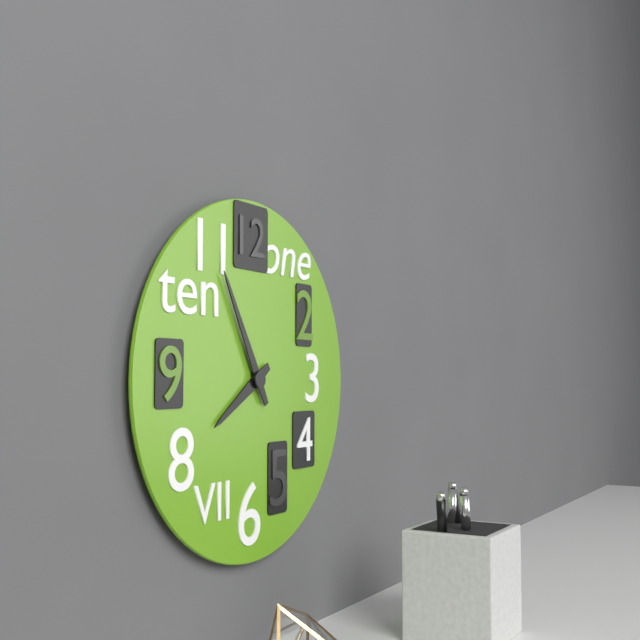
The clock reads 7,55
